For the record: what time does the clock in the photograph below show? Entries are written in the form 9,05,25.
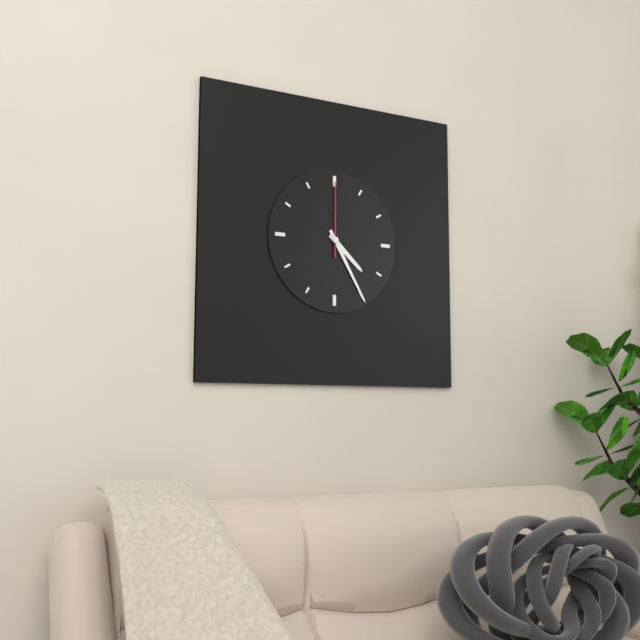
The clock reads 4,25,00
